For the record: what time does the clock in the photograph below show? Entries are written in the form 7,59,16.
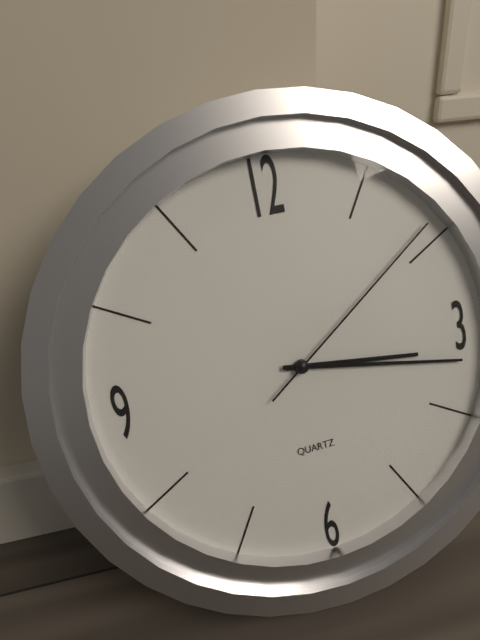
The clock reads 3,17,09
